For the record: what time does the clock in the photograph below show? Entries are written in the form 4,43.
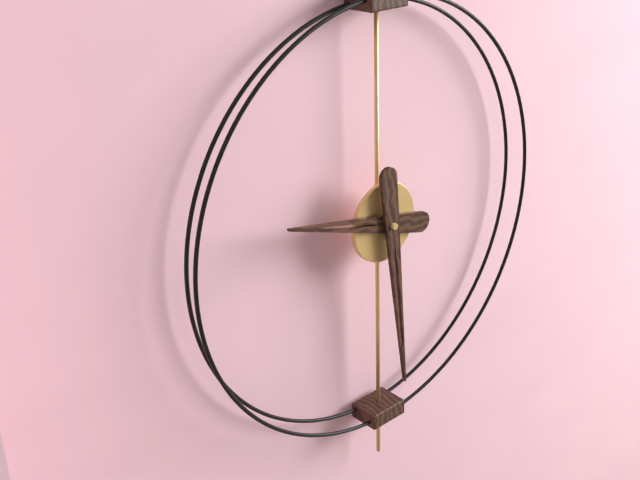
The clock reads 9,29
